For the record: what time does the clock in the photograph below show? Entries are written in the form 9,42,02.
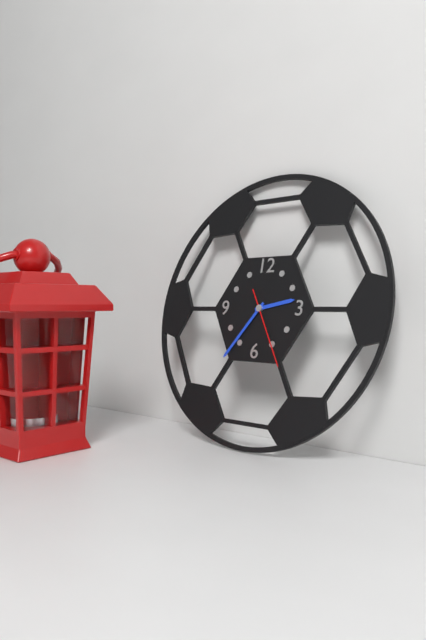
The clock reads 2,36,25
